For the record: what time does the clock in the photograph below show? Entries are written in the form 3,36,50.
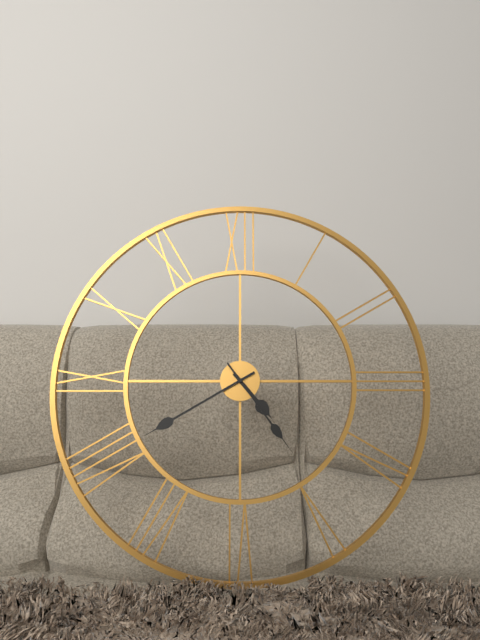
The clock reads 4,40,24
